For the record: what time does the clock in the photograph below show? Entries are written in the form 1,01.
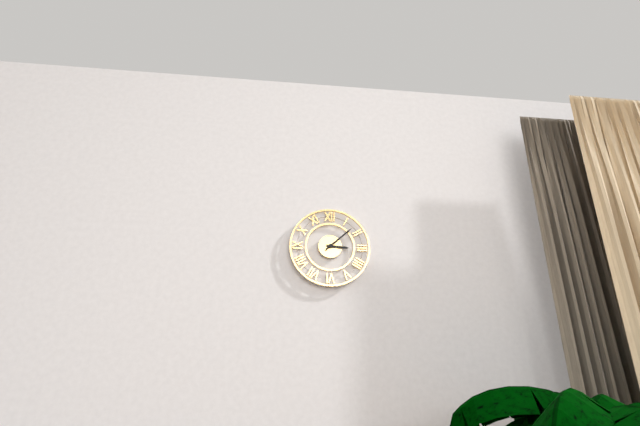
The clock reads 3,08
